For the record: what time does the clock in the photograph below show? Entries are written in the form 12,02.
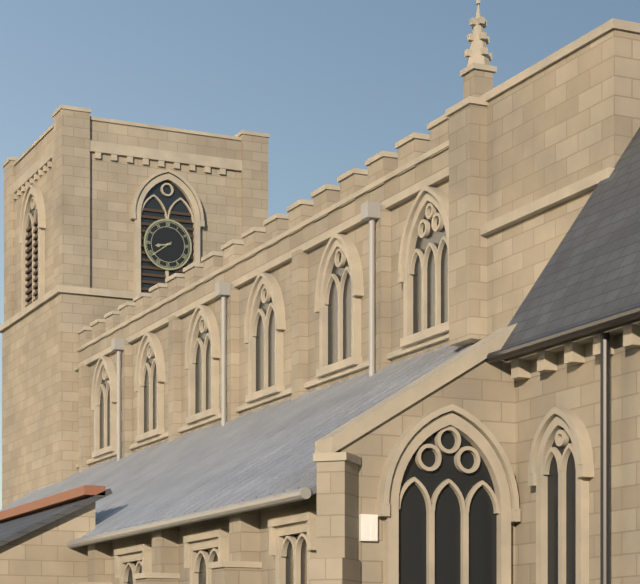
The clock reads 8,39
